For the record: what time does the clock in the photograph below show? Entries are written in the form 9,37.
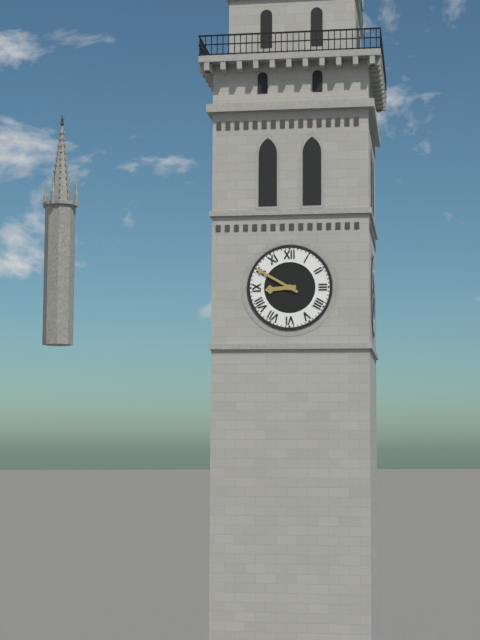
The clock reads 8,50
